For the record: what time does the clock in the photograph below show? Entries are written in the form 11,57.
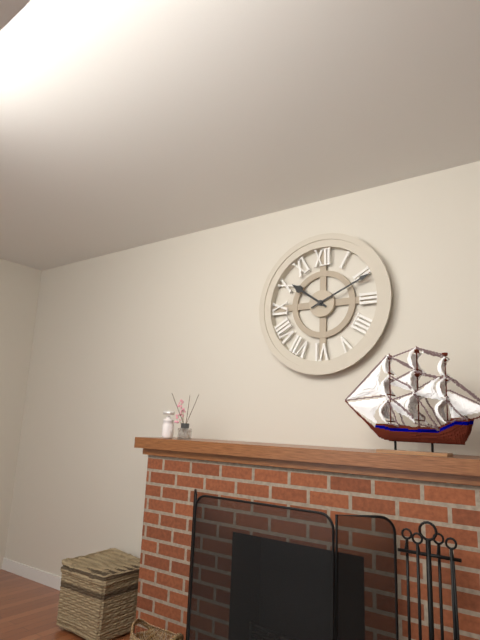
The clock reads 10,11
